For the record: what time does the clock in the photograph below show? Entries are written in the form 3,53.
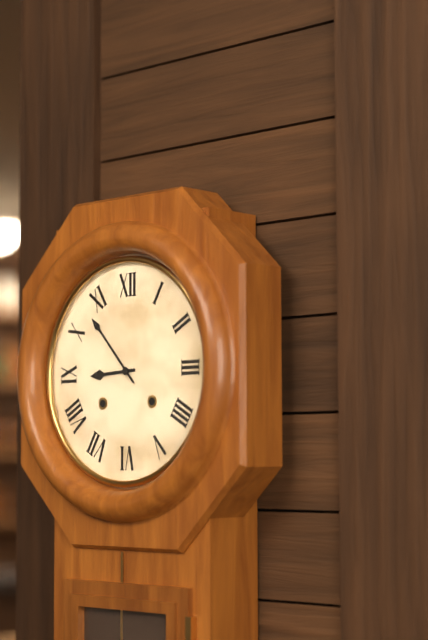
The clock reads 8,53
